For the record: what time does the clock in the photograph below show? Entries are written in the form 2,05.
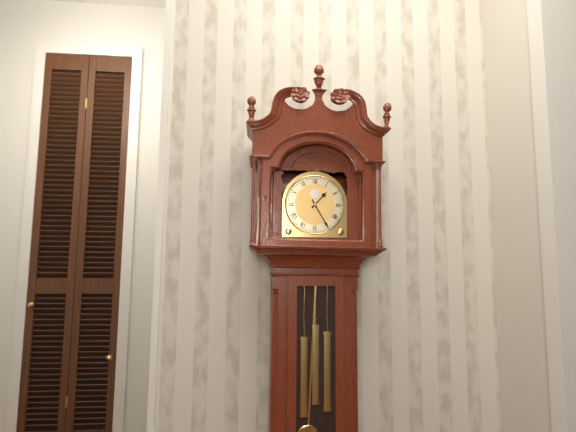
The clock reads 1,25
